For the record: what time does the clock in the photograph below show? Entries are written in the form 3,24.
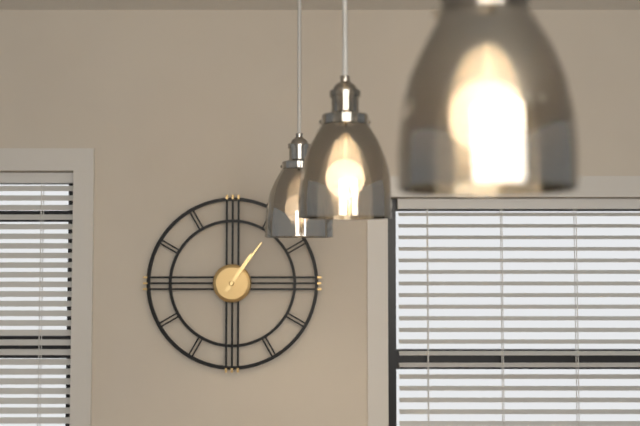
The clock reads 1,06
